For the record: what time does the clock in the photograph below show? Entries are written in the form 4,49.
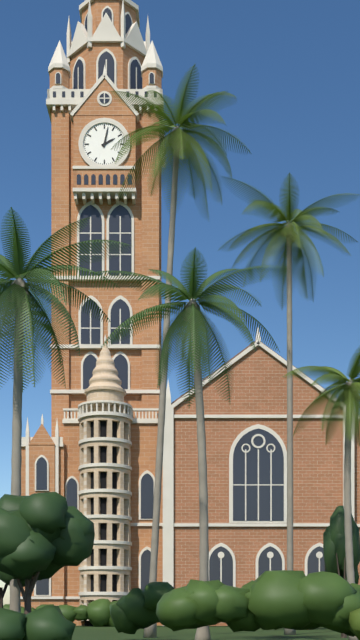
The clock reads 2,02
